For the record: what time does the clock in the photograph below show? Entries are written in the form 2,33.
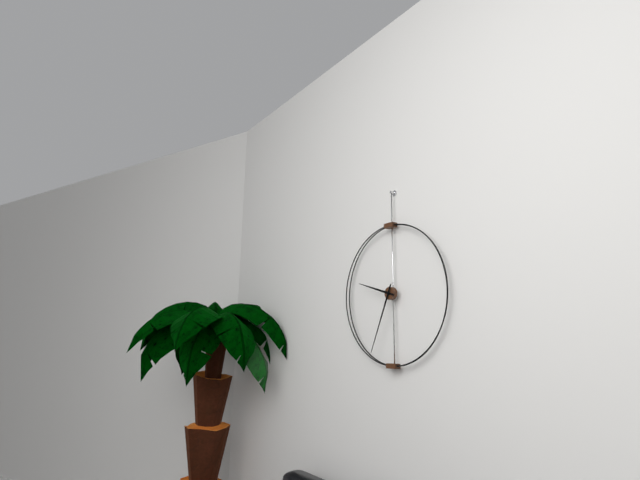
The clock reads 9,34
